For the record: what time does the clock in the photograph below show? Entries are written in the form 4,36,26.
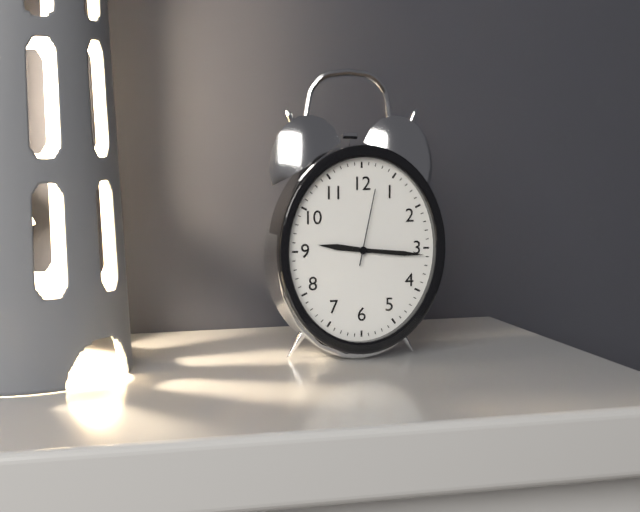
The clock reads 9,16,02
